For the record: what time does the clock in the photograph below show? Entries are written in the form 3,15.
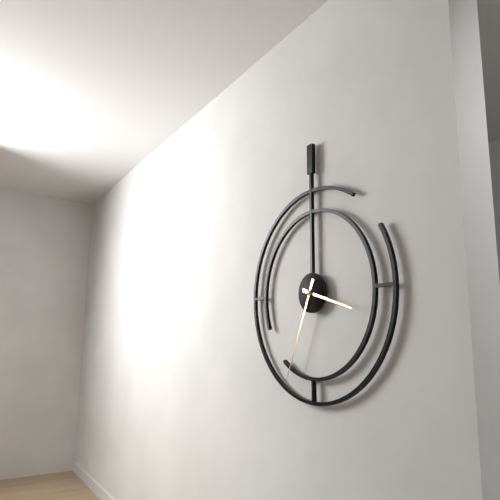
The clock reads 3,34
